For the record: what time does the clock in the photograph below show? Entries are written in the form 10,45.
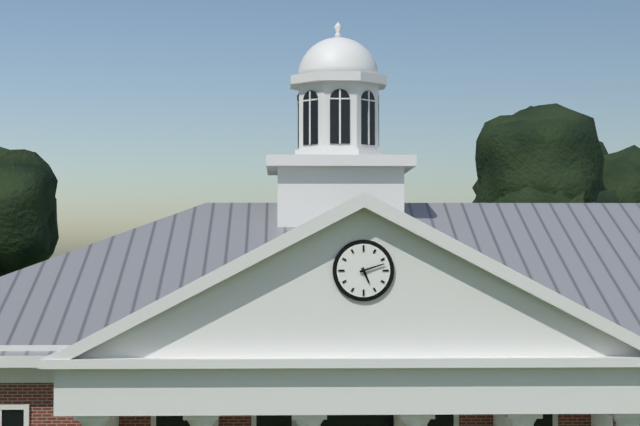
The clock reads 5,12
